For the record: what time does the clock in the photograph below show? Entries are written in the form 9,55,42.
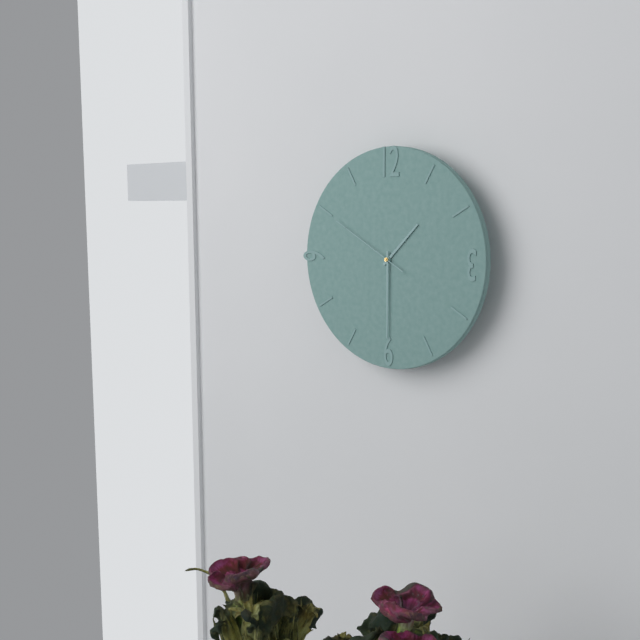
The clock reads 1,30,50
